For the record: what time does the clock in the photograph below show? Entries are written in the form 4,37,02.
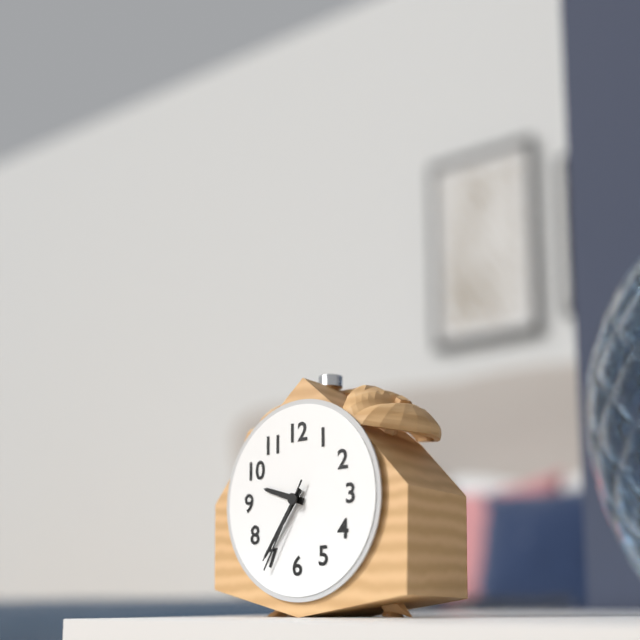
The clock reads 9,36,35
